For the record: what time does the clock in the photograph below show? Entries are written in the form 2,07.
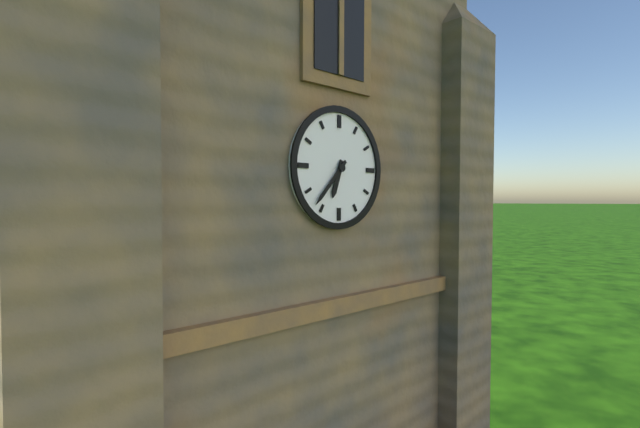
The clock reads 6,37
